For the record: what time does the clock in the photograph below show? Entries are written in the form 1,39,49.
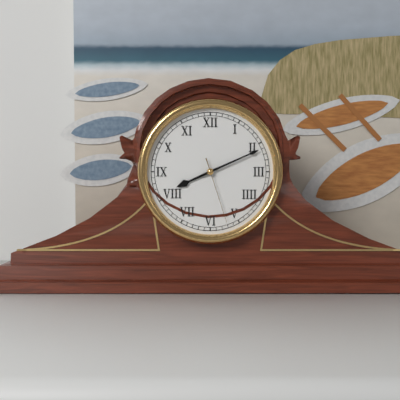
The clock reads 8,11,27
